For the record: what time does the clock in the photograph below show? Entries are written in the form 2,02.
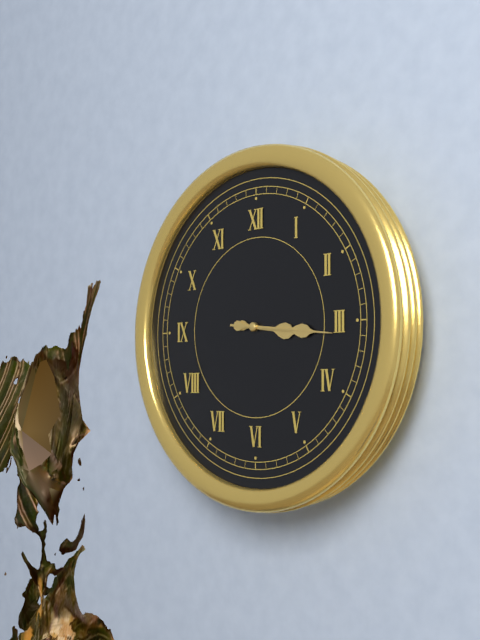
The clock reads 3,16
